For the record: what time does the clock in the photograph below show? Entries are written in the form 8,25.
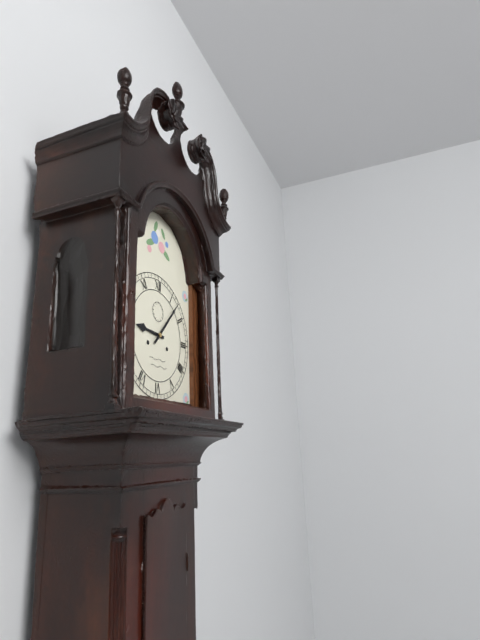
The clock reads 9,07
